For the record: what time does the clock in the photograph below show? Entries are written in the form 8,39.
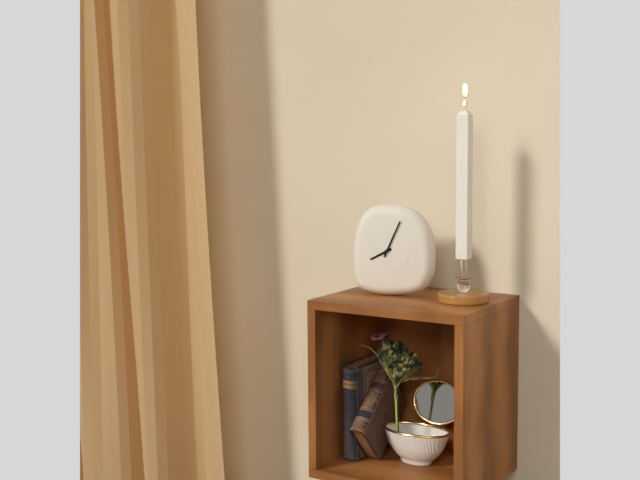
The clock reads 8,04
